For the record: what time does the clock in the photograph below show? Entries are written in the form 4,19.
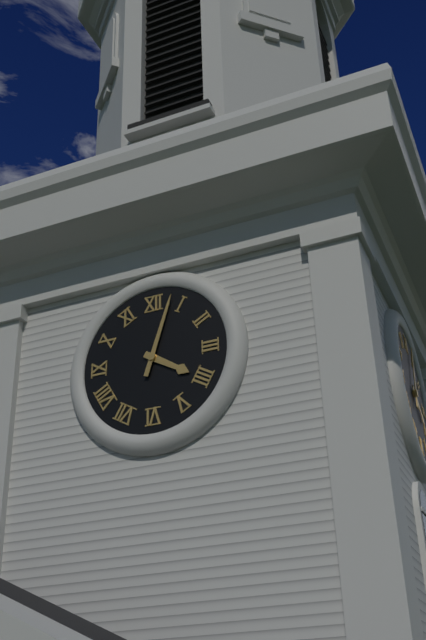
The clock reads 4,03
